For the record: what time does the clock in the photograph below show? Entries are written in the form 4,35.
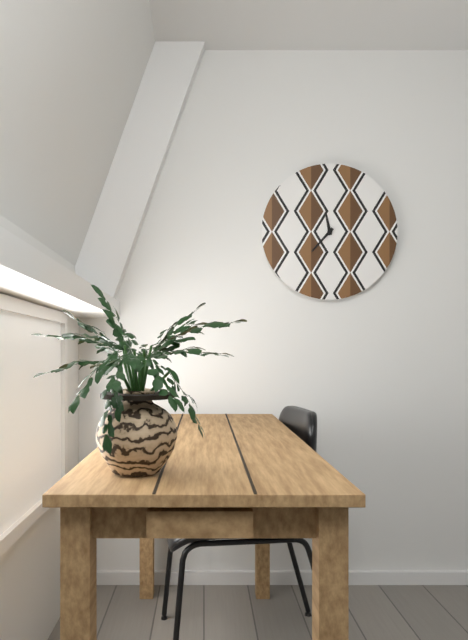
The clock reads 11,37
